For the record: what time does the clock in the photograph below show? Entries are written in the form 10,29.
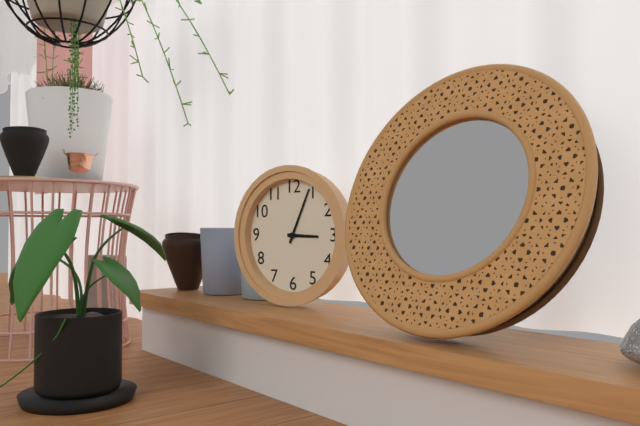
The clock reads 3,04
